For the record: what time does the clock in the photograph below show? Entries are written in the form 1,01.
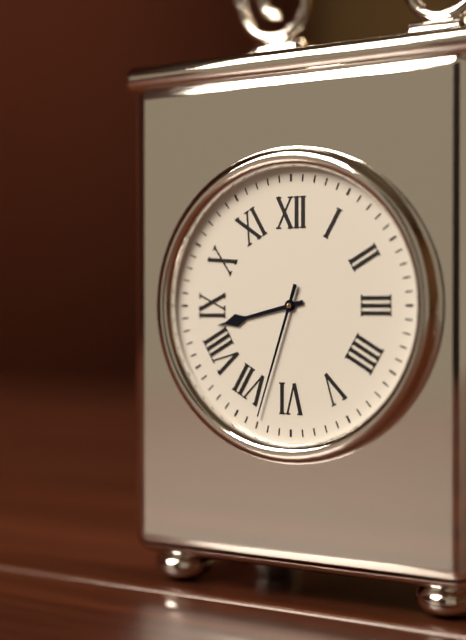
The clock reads 8,33
